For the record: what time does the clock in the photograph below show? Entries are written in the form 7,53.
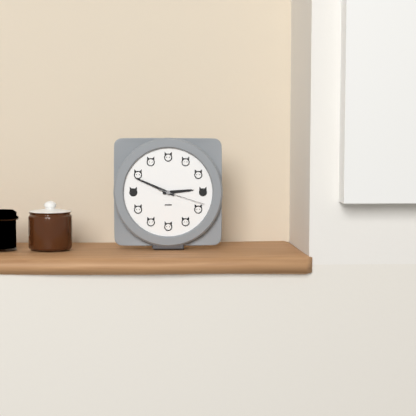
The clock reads 2,49
